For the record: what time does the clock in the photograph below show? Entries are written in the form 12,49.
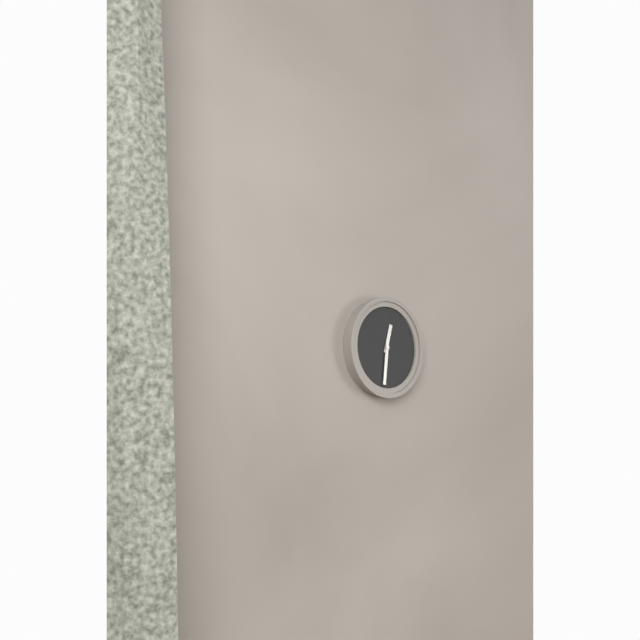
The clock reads 12,31
